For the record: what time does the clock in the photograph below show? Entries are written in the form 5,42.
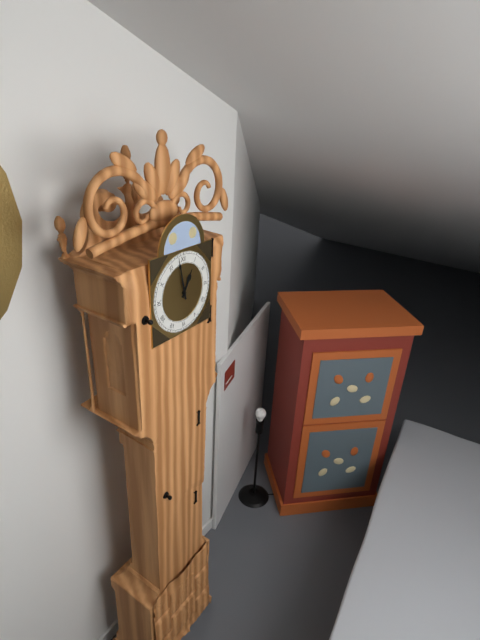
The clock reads 12,58
